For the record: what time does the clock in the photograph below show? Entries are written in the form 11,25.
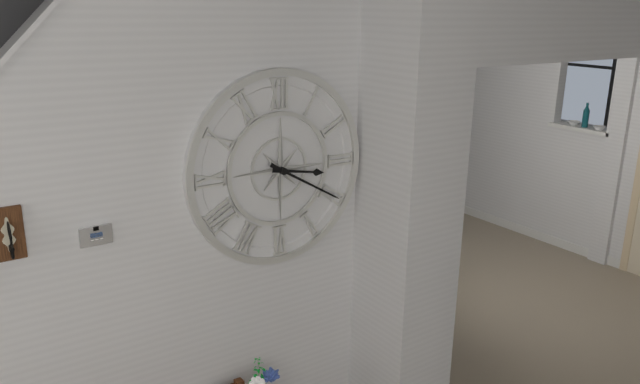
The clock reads 3,20
